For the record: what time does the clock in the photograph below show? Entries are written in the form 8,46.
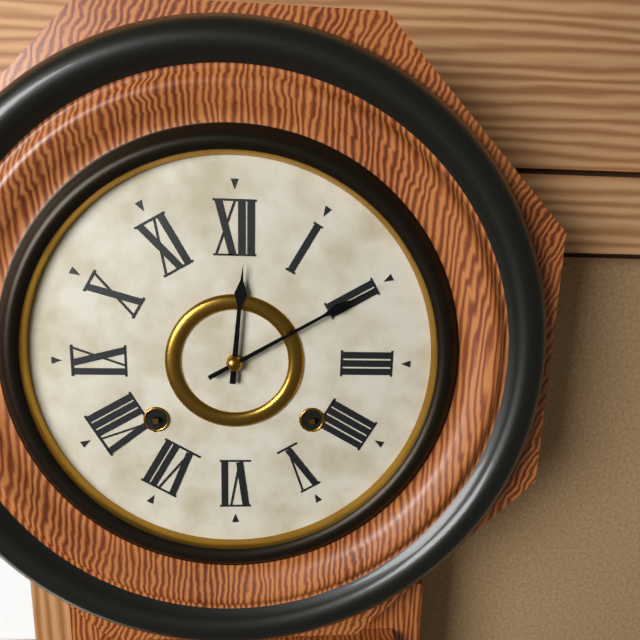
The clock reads 12,10
